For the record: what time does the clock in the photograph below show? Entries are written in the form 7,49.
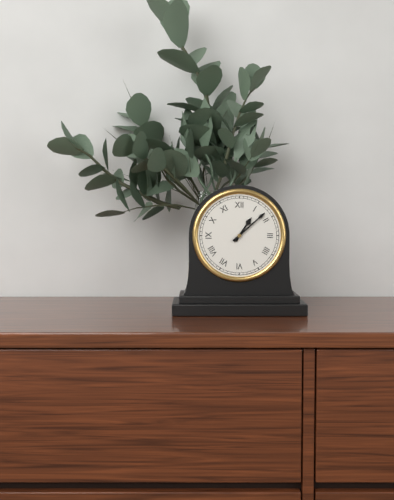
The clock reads 1,08
